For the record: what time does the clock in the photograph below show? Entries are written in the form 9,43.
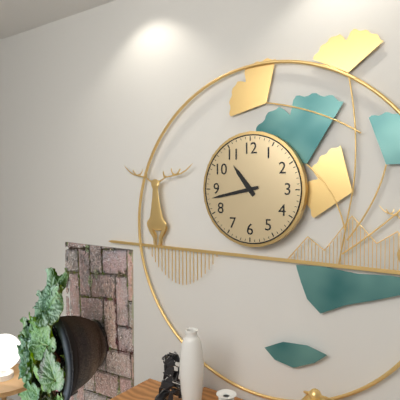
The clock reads 10,43
